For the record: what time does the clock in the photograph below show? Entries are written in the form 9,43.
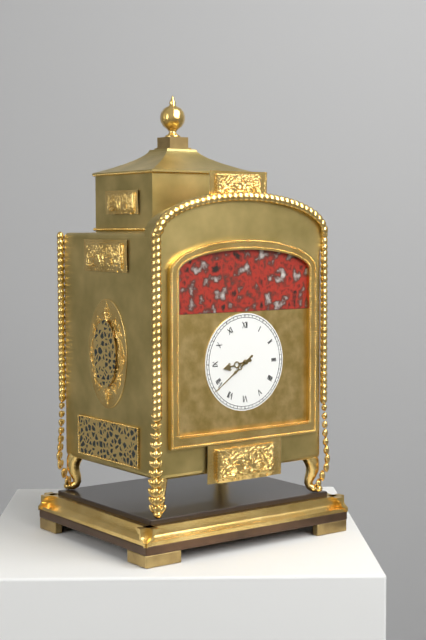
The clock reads 8,39
